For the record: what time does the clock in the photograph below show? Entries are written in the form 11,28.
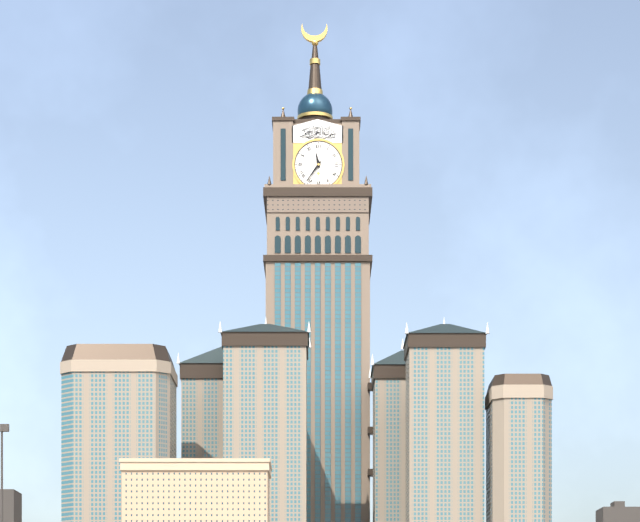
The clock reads 11,36
